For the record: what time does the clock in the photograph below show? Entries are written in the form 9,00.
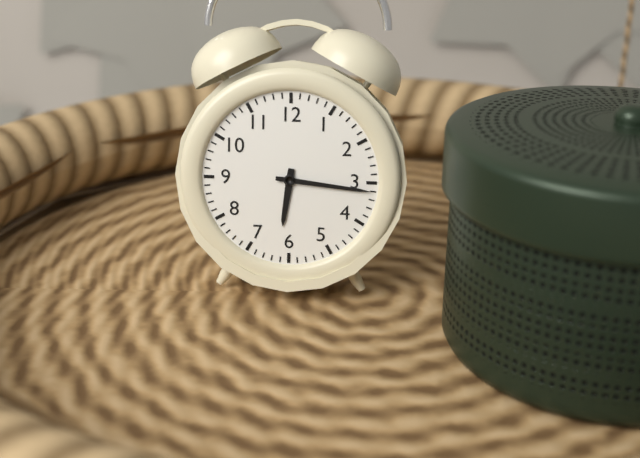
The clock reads 6,16
